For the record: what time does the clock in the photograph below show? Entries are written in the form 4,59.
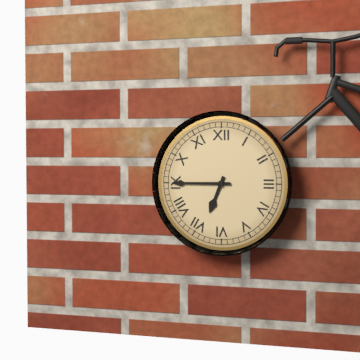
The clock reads 6,45
